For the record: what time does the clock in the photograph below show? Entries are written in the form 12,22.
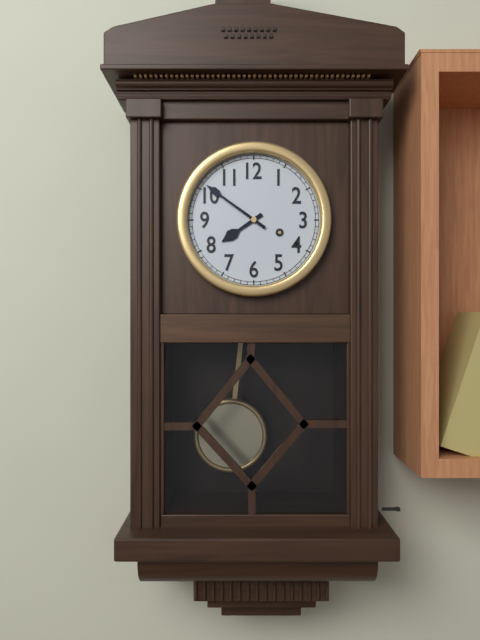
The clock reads 7,51
